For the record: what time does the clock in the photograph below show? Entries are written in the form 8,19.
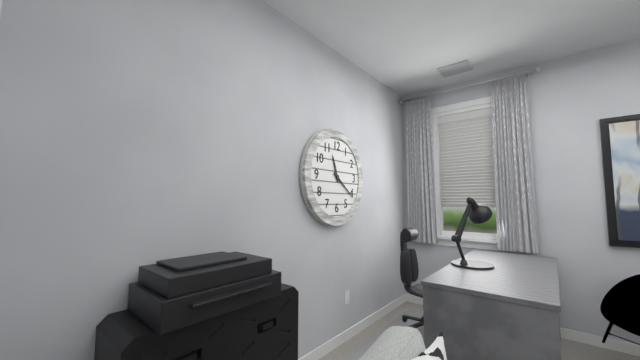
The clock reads 11,21
